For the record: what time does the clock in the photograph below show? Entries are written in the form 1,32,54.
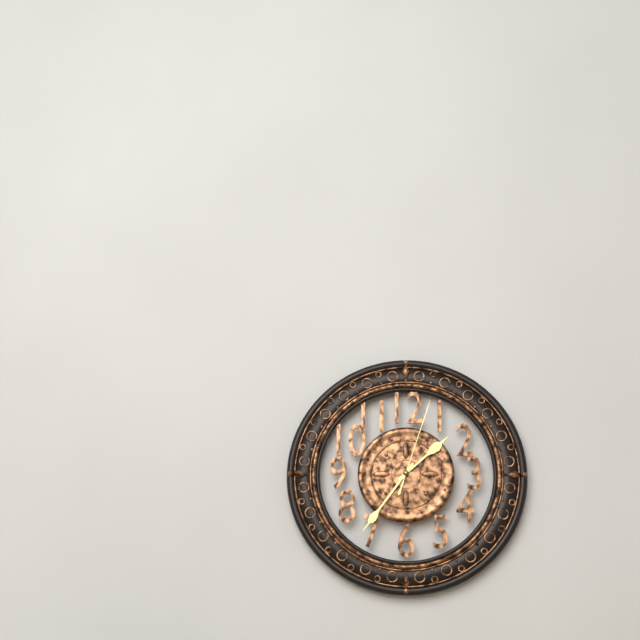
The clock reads 1,36,03
